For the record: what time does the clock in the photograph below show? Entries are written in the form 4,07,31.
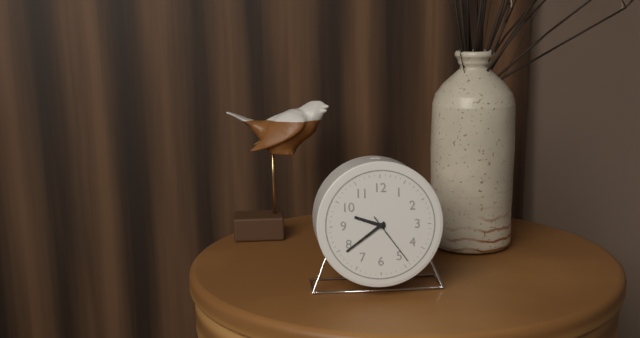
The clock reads 9,39,24
